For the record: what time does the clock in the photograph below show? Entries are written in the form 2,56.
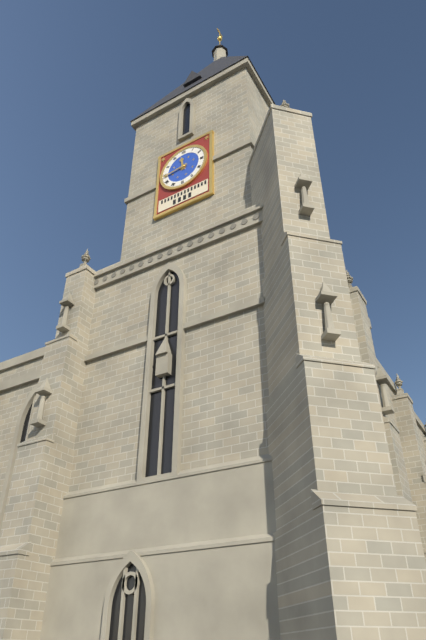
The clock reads 11,44
